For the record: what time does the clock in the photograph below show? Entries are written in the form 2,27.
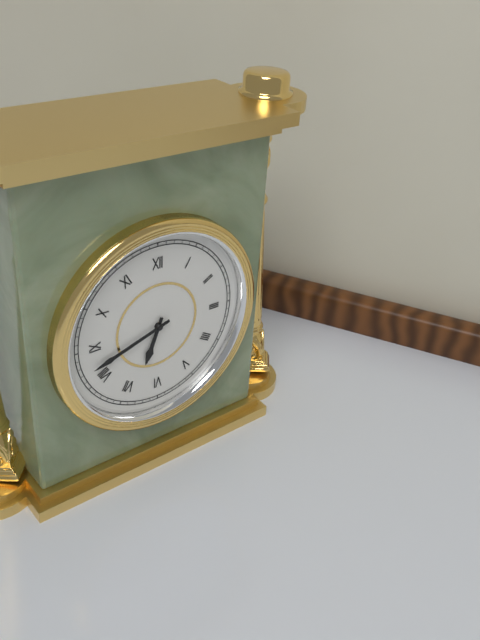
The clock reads 6,42
